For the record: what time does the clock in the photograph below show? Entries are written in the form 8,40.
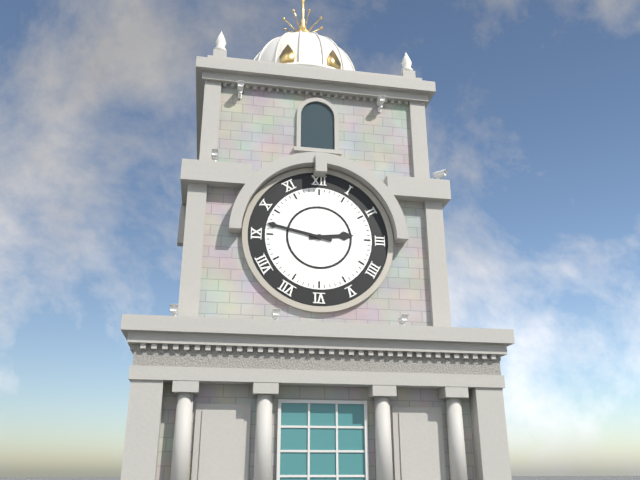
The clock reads 2,47
